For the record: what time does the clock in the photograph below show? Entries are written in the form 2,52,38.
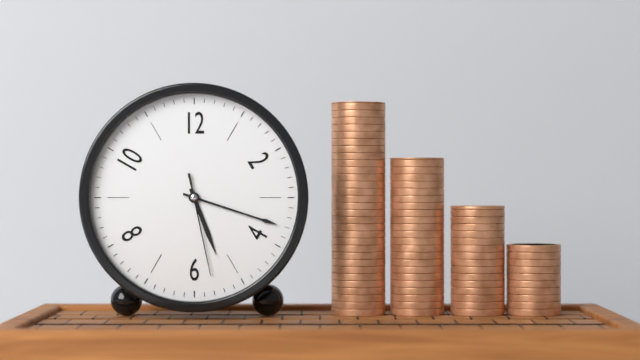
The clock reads 5,18,28
